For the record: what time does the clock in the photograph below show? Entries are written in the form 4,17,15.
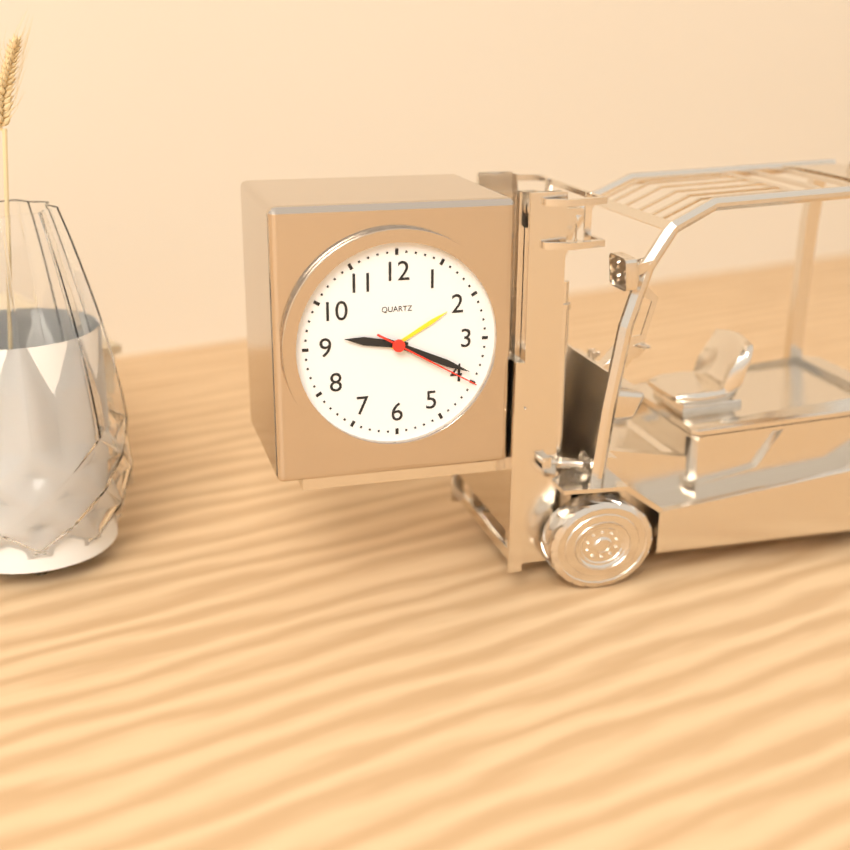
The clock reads 9,19,20
